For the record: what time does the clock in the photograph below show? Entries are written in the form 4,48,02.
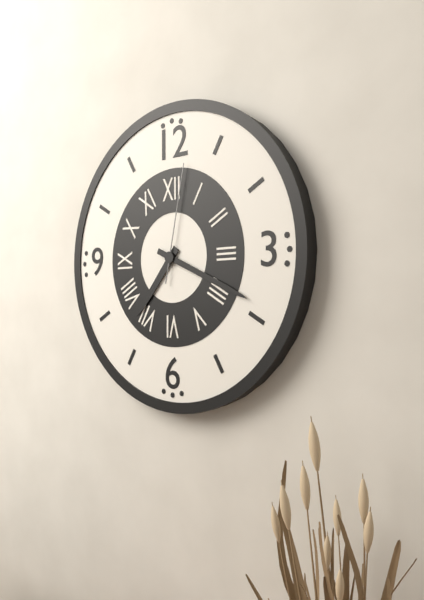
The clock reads 7,19,02
